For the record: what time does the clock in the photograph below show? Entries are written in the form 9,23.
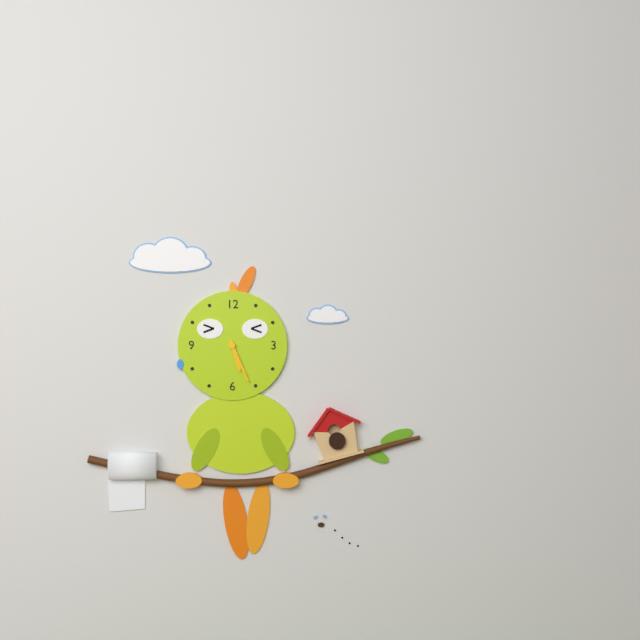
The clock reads 5,26
